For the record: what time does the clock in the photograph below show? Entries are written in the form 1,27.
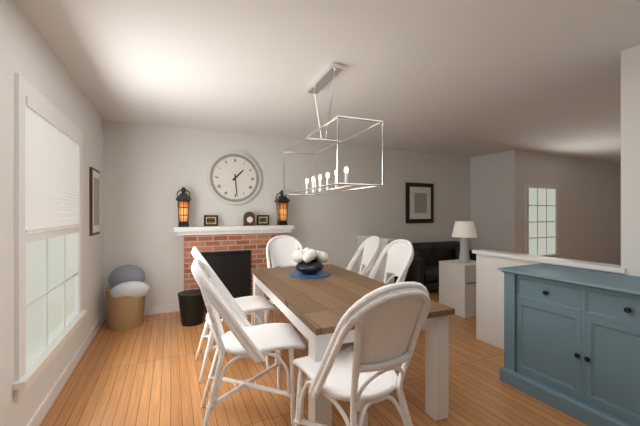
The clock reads 1,29
